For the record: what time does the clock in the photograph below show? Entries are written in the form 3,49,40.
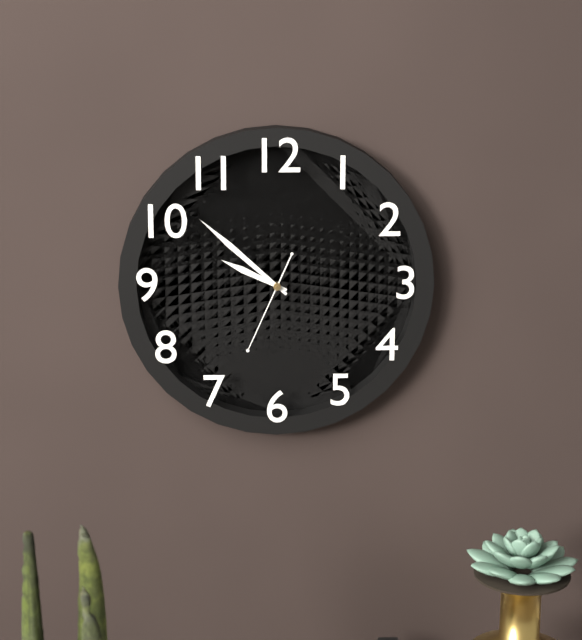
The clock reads 9,52,34
